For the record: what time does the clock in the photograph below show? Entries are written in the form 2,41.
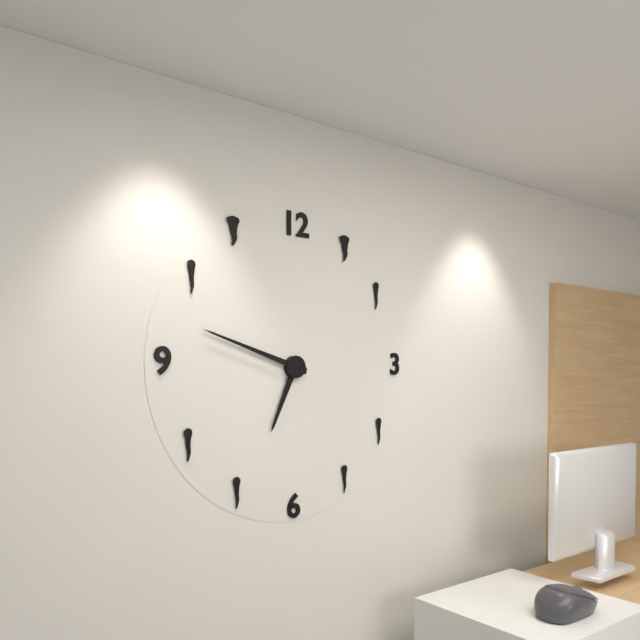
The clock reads 6,48
